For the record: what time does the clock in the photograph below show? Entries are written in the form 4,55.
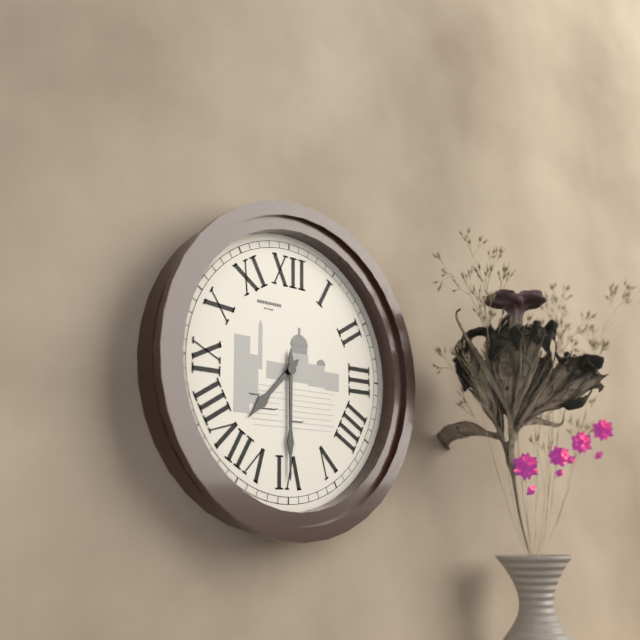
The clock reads 7,30
